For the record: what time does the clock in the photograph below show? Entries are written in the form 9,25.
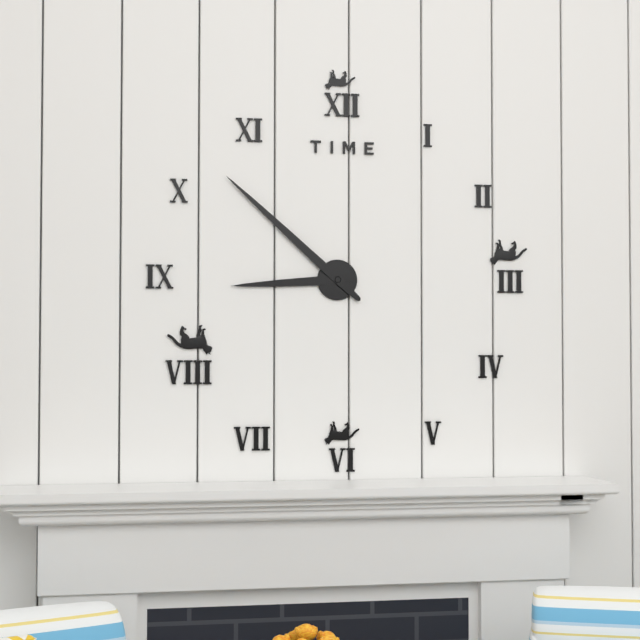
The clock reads 8,52
